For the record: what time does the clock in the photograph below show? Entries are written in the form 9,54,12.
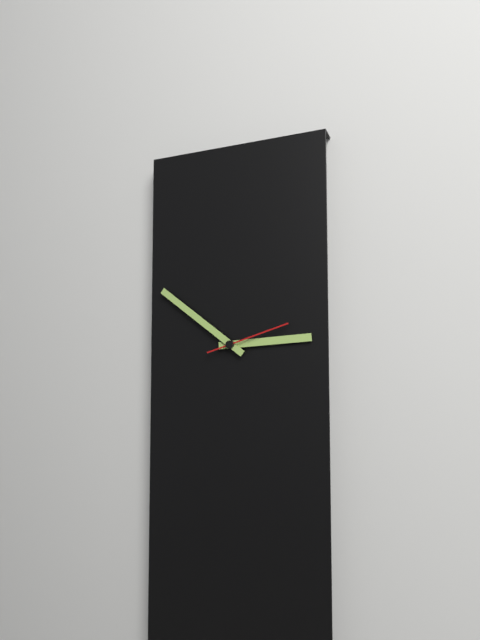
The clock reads 2,51,12
